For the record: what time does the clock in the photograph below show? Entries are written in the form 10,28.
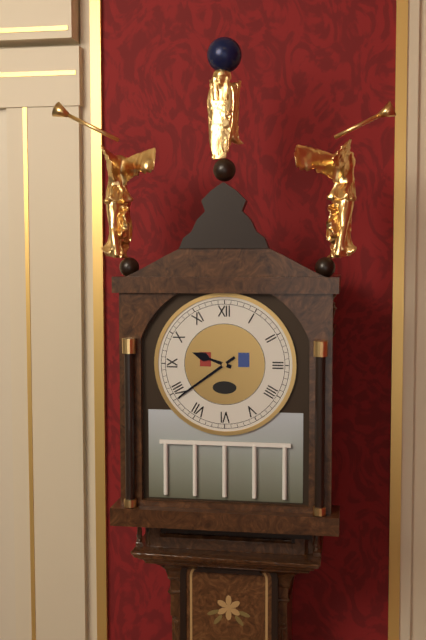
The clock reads 9,39
